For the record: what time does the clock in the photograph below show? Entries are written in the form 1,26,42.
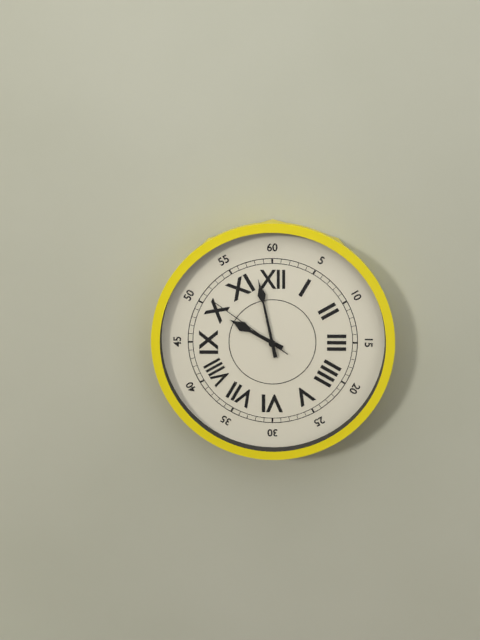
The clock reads 9,58,51
